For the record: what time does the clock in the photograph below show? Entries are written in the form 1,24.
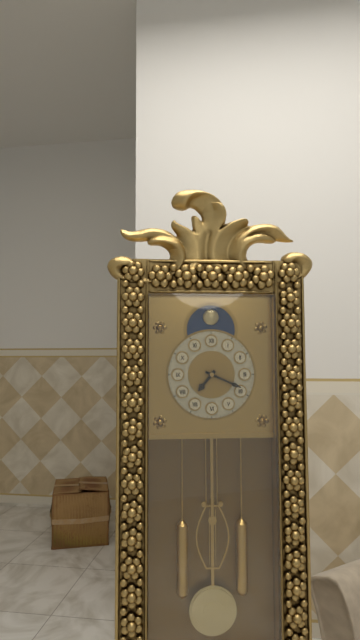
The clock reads 7,19
